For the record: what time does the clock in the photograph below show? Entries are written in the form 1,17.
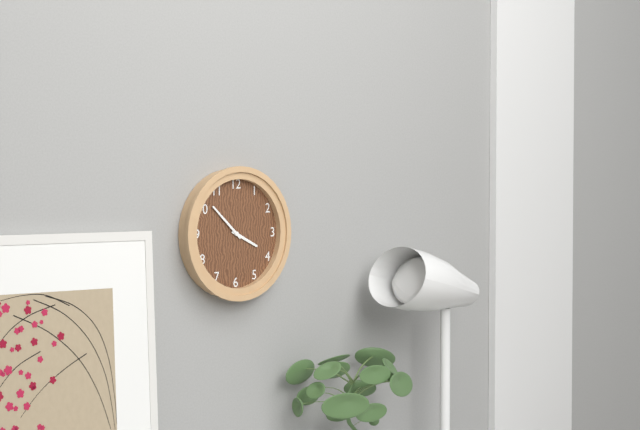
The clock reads 3,52
